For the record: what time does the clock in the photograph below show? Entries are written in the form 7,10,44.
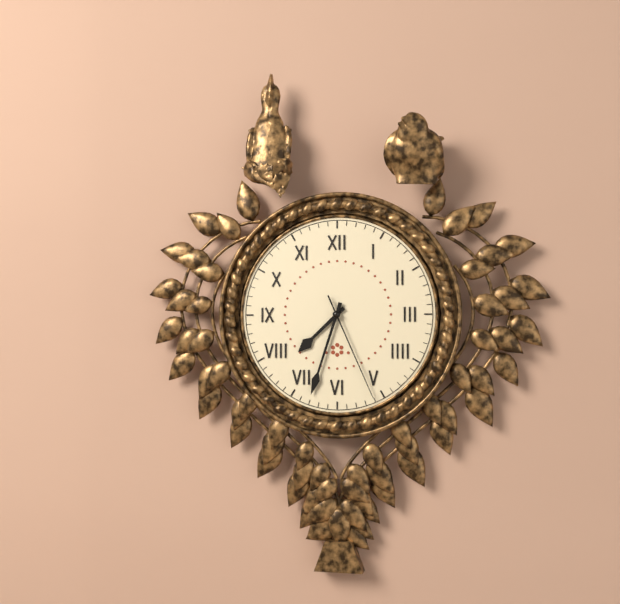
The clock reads 7,33,26
